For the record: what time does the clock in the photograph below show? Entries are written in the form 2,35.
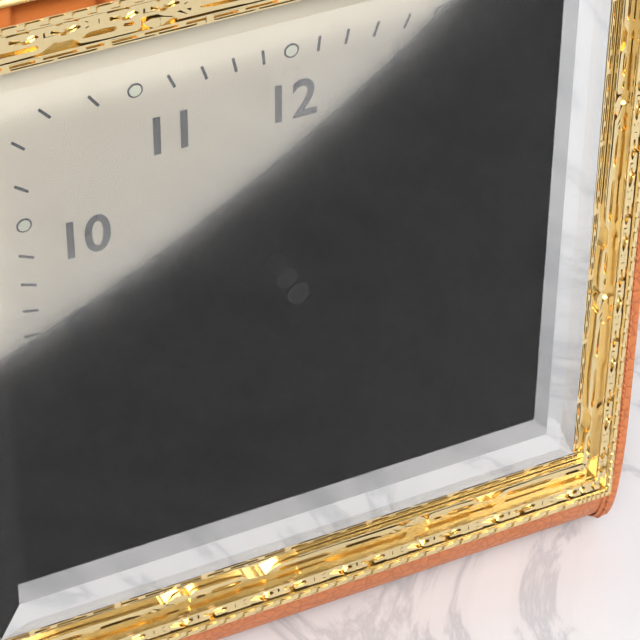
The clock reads 9,16
